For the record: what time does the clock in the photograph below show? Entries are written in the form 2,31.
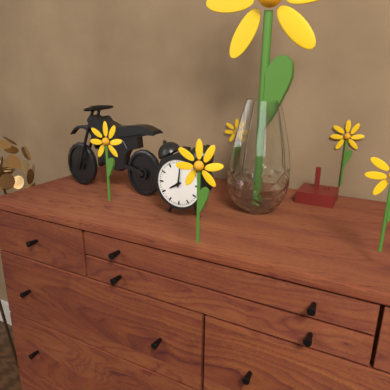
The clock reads 8,01
